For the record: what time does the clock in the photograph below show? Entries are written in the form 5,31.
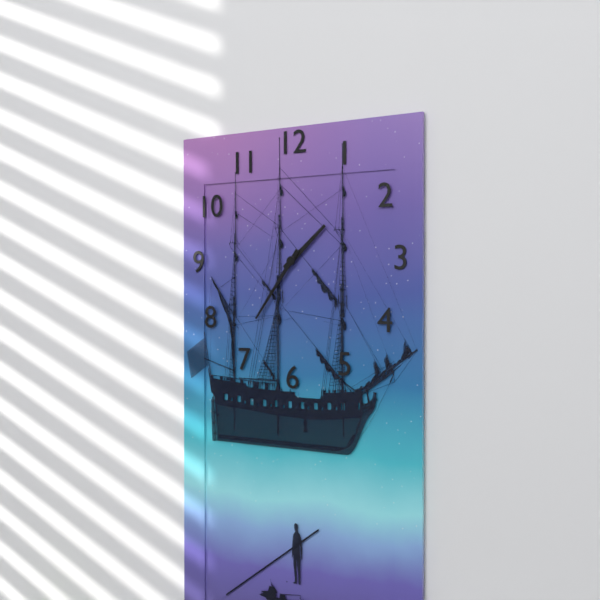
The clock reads 1,36
